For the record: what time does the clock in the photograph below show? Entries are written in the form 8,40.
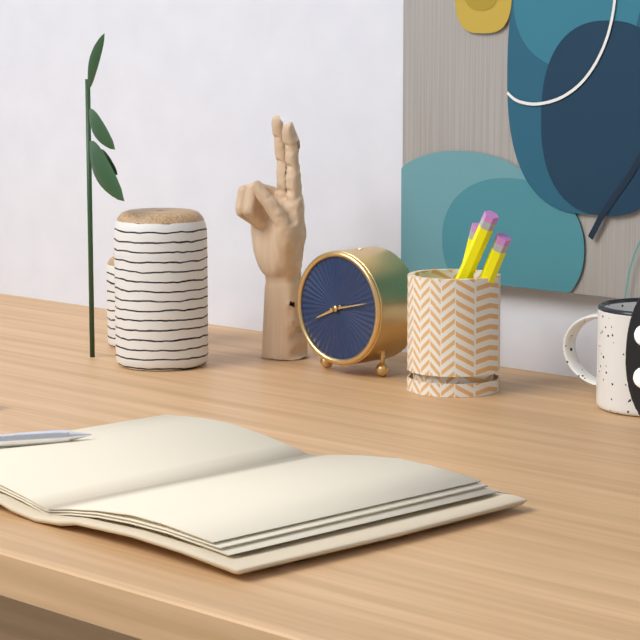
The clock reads 8,13
